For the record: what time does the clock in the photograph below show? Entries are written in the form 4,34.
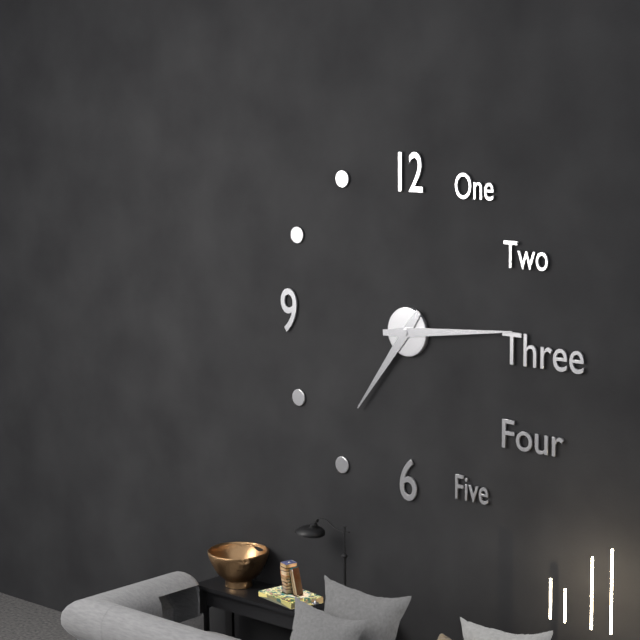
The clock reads 7,14
